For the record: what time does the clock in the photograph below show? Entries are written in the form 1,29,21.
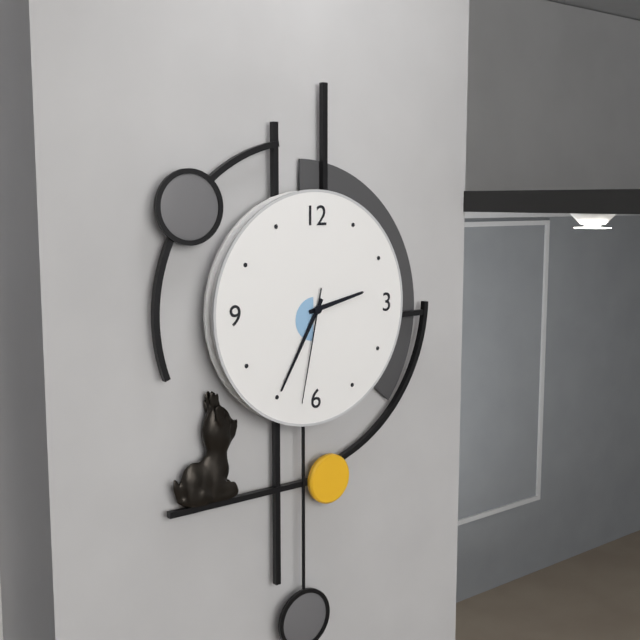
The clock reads 2,35,32
